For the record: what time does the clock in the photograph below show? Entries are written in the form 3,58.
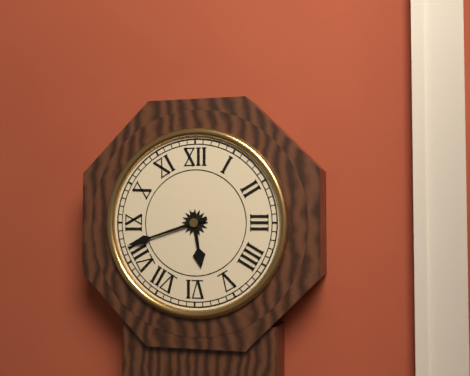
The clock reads 5,42
